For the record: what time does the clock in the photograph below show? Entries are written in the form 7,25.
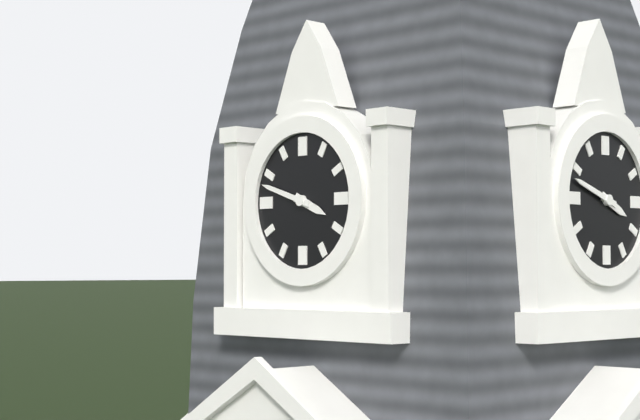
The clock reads 3,48
